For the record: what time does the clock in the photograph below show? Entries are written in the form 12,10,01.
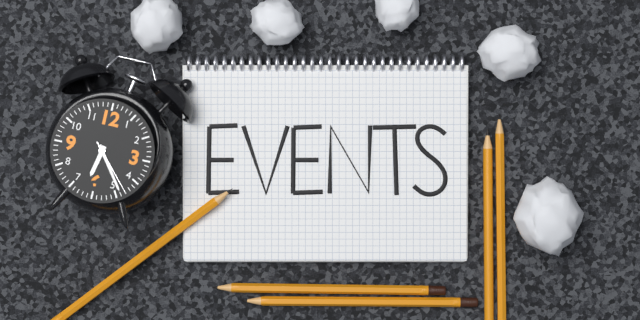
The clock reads 6,24,23
